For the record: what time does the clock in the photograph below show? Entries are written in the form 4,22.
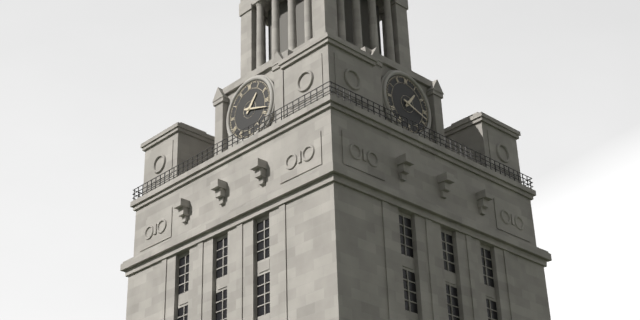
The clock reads 1,18
